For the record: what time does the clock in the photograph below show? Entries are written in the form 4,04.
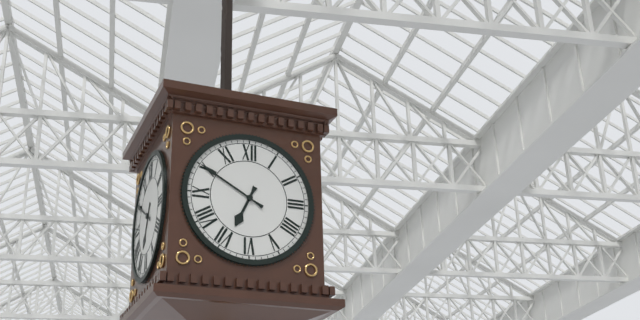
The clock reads 6,50
